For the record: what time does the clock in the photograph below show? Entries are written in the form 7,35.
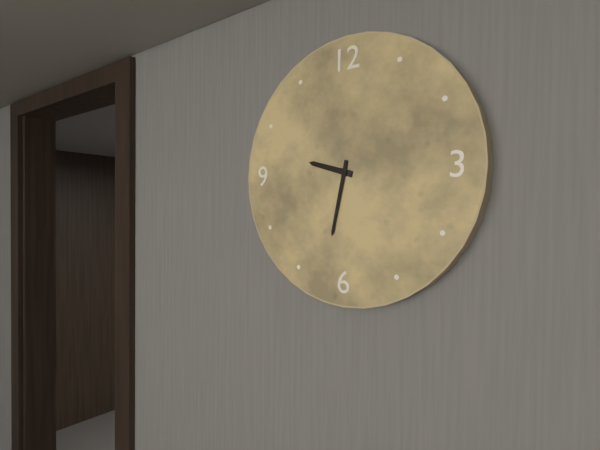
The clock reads 9,32
